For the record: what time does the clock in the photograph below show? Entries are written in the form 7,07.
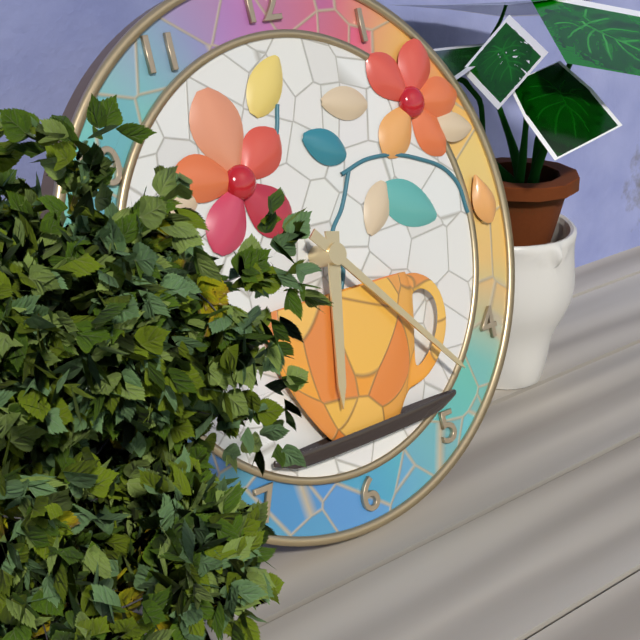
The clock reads 6,23
